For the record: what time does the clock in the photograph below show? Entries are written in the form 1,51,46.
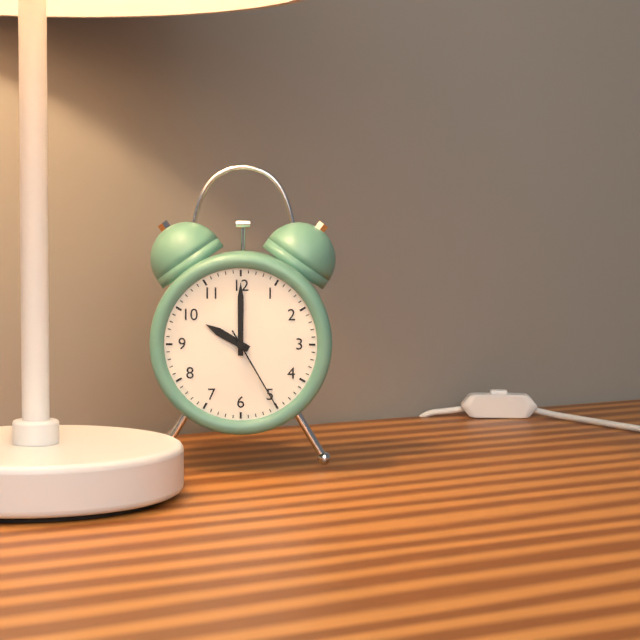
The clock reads 10,00,25
